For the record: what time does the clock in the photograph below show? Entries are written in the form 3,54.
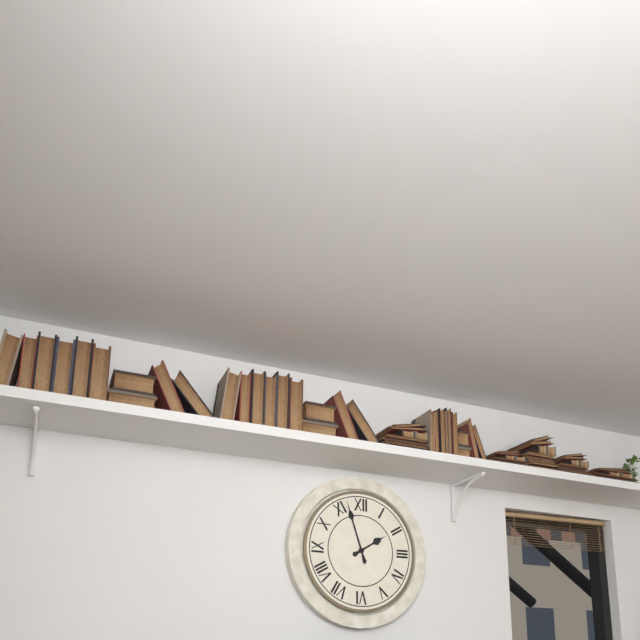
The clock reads 1,57
